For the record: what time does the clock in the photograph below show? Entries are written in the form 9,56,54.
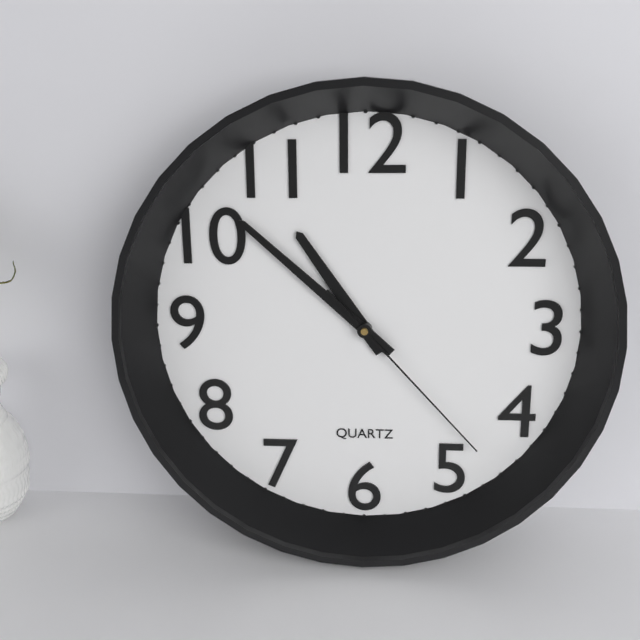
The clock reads 10,52,23
